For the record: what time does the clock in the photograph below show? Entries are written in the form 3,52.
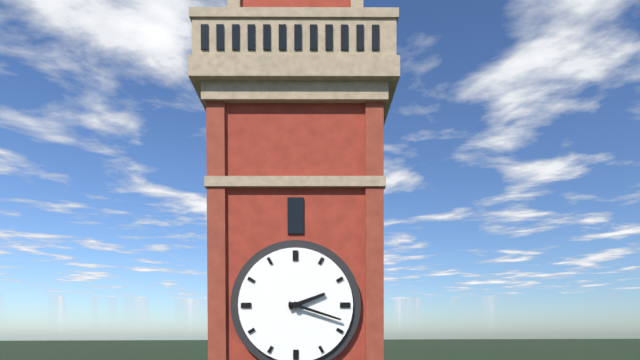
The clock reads 2,18
